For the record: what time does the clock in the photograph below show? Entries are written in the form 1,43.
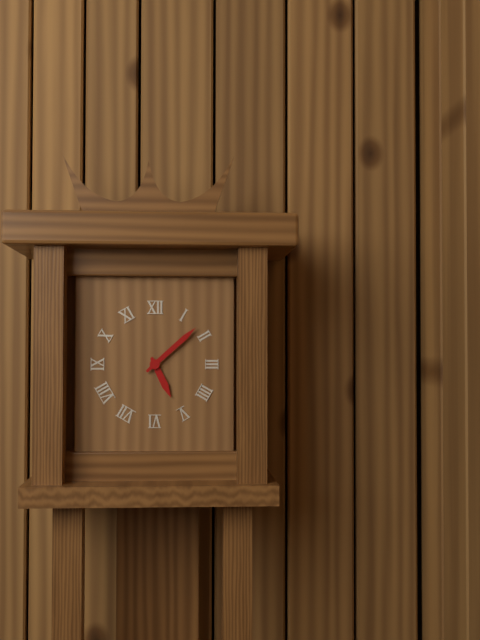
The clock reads 5,08
